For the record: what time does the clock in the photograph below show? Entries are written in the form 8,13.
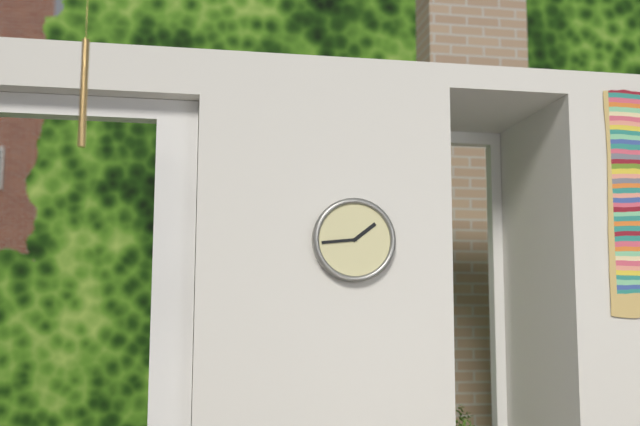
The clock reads 1,44
